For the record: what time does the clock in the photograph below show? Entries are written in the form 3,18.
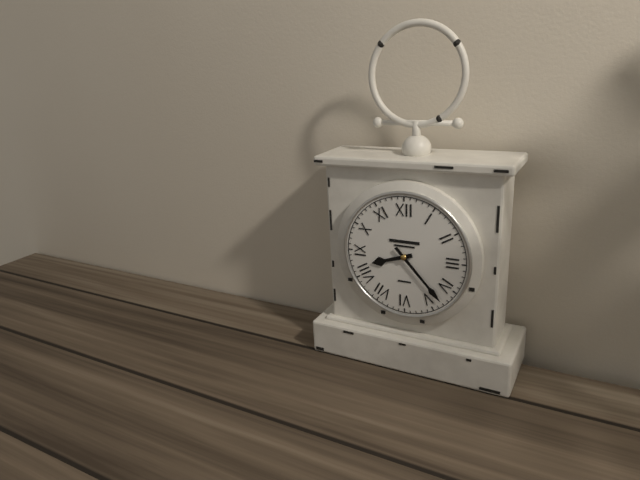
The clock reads 8,23
